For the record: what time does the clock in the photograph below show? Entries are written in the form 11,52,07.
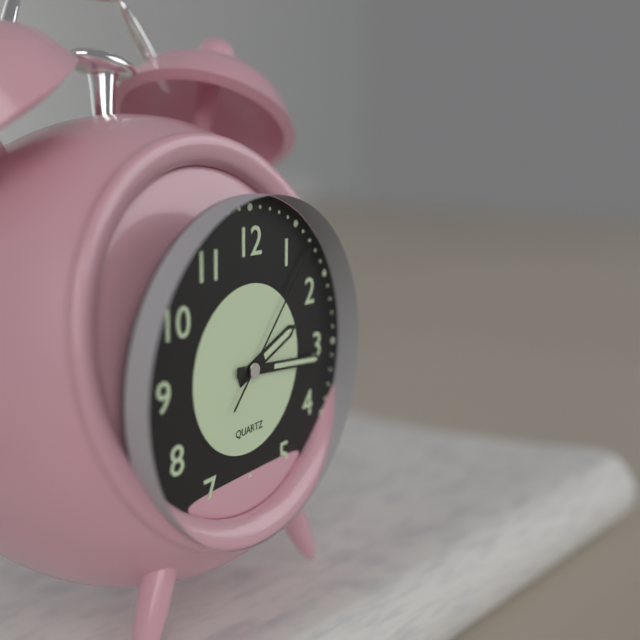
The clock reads 2,16,07
